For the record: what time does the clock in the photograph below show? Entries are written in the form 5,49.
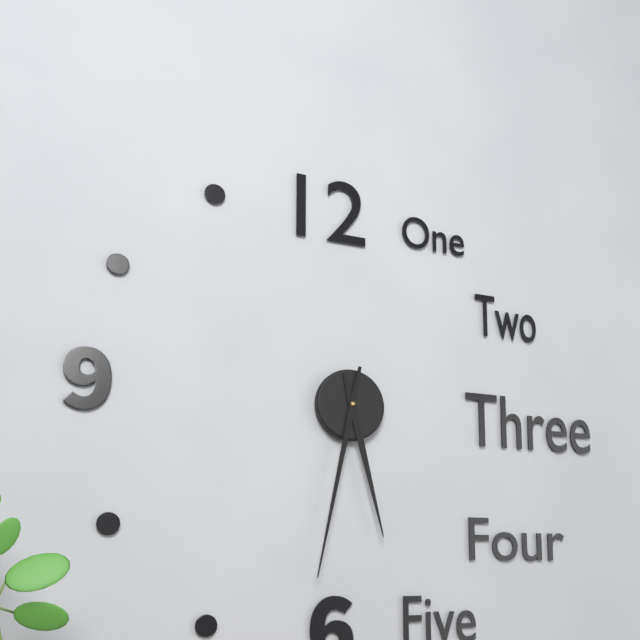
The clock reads 5,32
